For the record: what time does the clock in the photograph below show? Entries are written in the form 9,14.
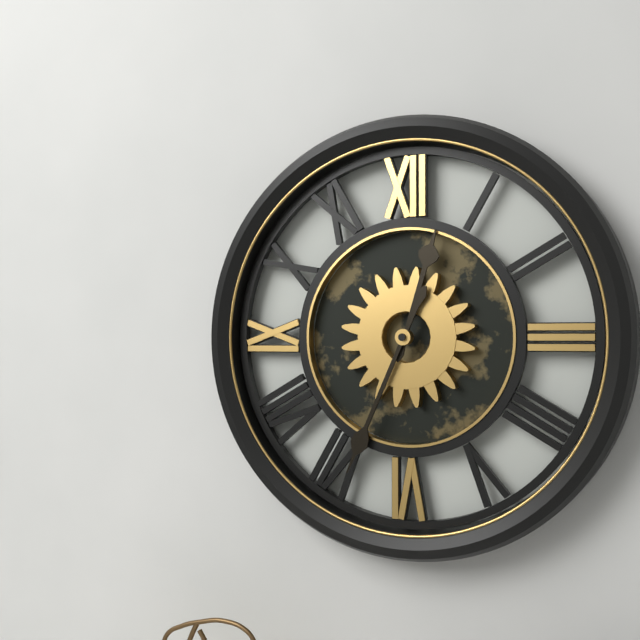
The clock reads 12,34
